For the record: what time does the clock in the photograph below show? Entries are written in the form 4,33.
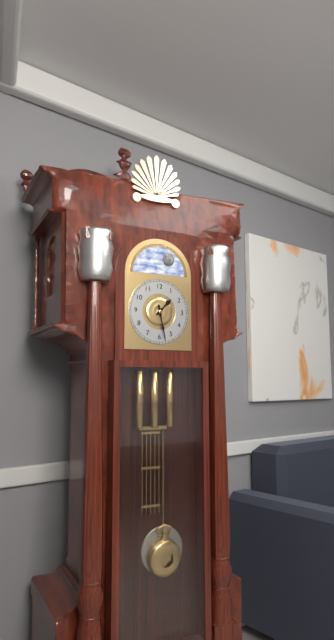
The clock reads 1,28
